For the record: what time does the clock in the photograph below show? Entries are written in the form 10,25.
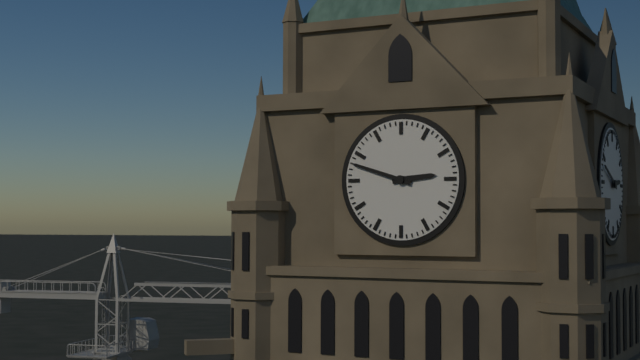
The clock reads 2,48
